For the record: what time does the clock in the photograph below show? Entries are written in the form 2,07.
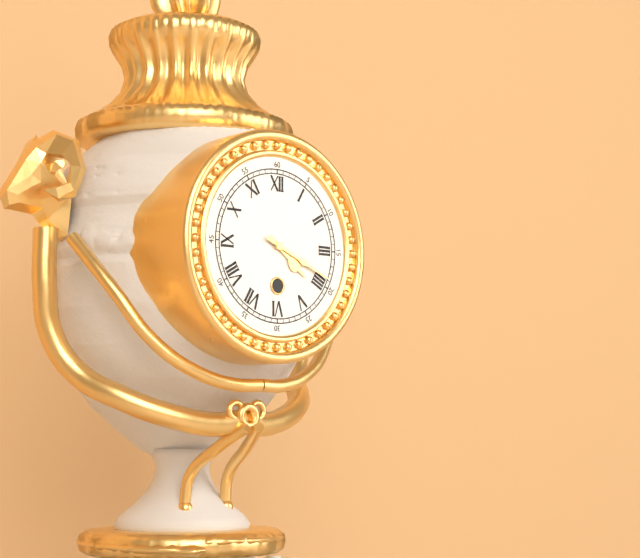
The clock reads 4,19
